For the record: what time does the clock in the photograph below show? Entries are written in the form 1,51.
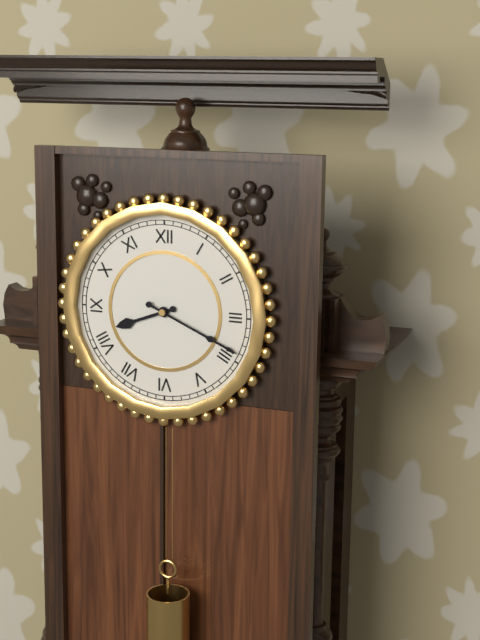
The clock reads 8,19
